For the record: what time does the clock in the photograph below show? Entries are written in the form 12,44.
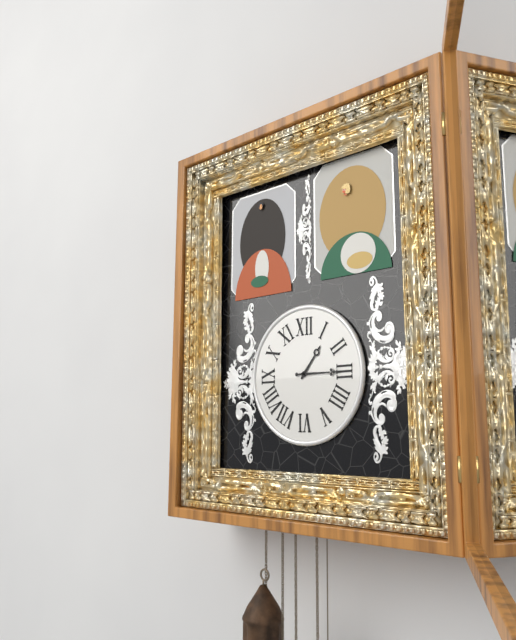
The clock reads 1,15
